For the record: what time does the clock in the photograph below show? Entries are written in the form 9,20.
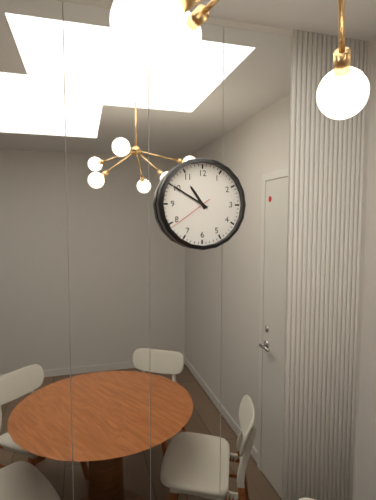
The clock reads 10,50
